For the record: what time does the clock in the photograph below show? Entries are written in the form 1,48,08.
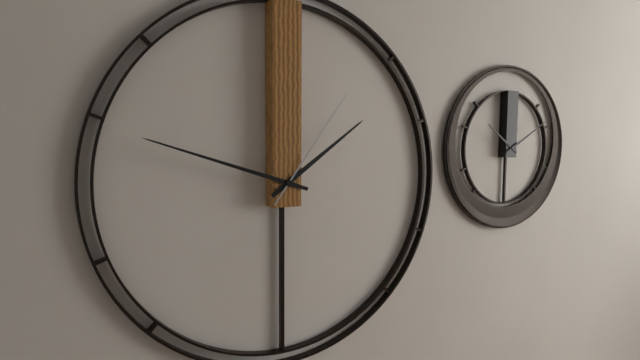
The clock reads 1,48,06
